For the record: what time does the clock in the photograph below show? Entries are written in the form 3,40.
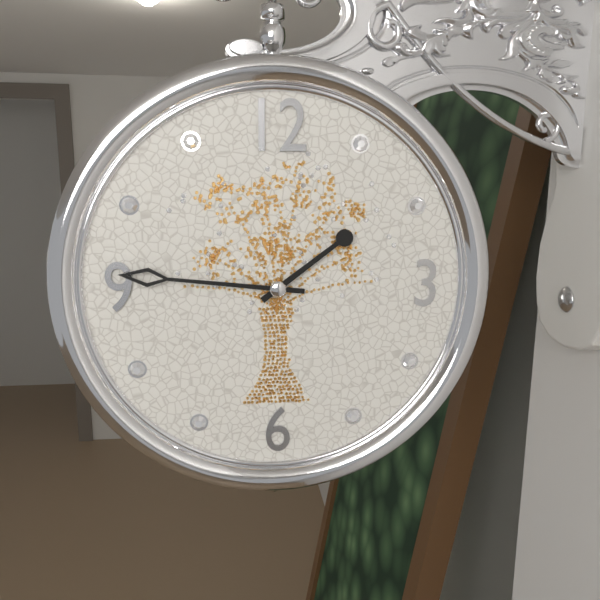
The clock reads 1,46
